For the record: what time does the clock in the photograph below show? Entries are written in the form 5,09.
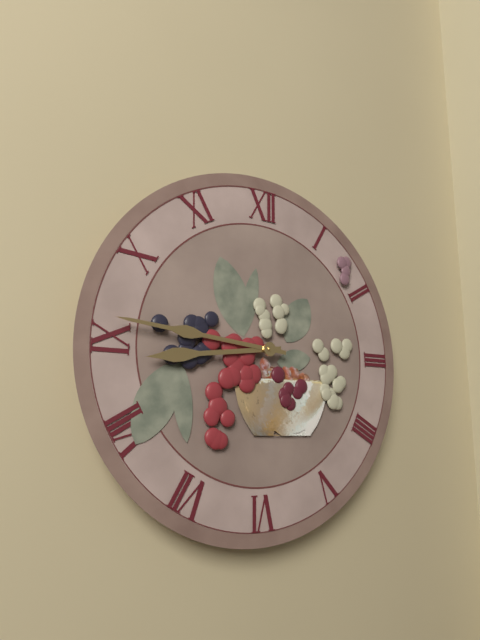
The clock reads 8,46
